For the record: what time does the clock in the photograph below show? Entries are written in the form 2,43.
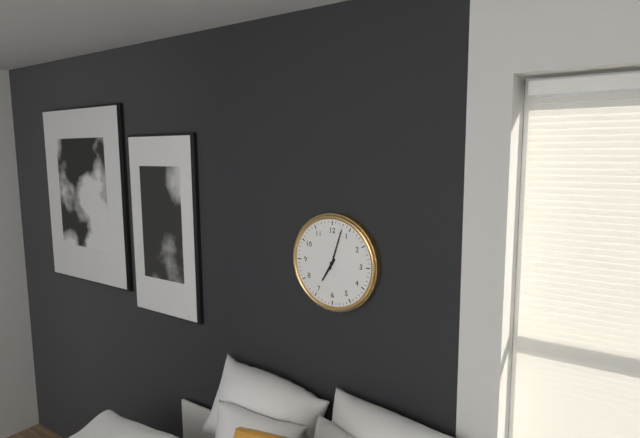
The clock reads 7,03
